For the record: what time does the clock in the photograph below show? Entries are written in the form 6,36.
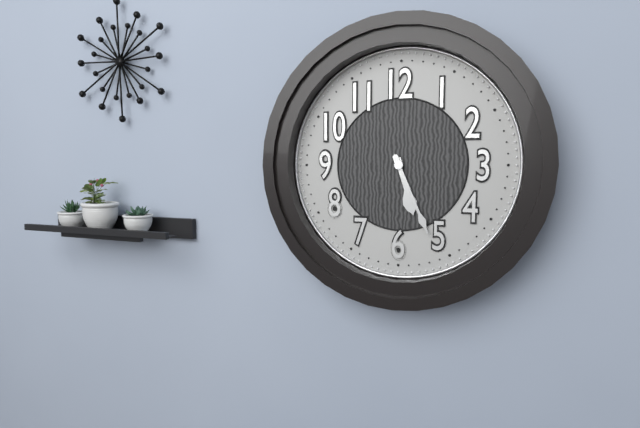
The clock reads 5,26
